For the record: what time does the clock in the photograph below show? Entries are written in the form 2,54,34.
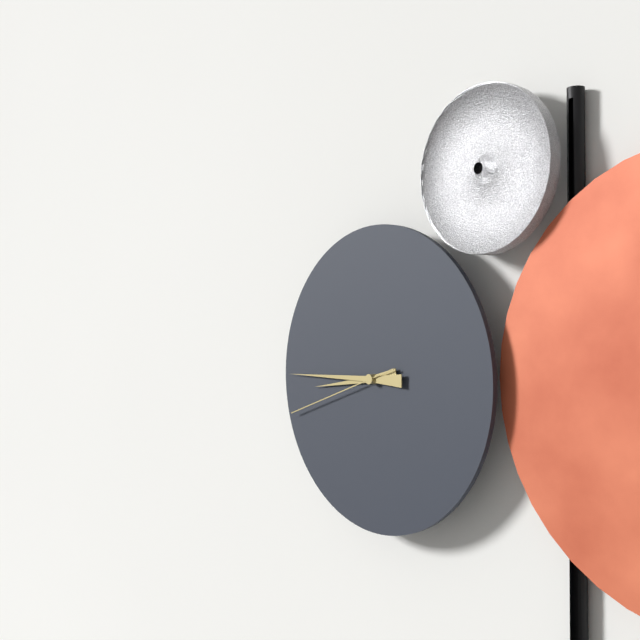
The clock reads 8,45,42
